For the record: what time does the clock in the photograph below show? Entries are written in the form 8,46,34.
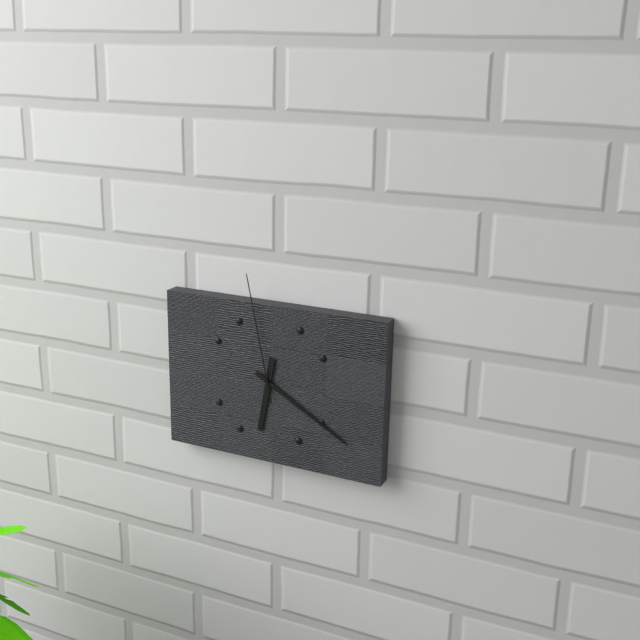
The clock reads 6,20,58
